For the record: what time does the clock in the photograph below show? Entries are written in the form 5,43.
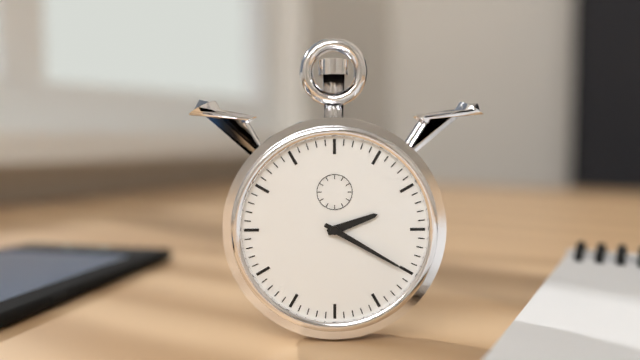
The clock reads 2,20
